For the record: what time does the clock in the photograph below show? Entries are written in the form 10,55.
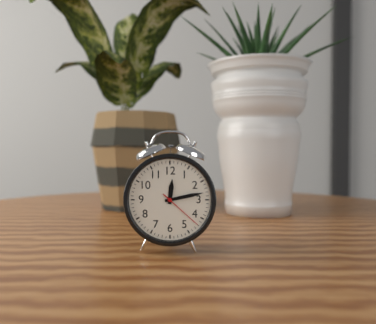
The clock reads 12,13
